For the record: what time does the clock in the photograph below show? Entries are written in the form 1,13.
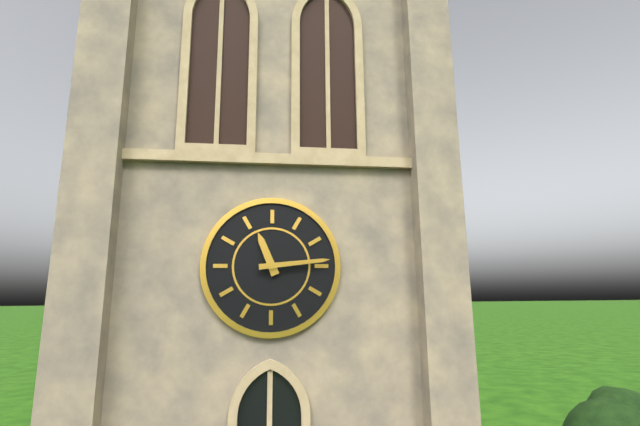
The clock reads 11,14
